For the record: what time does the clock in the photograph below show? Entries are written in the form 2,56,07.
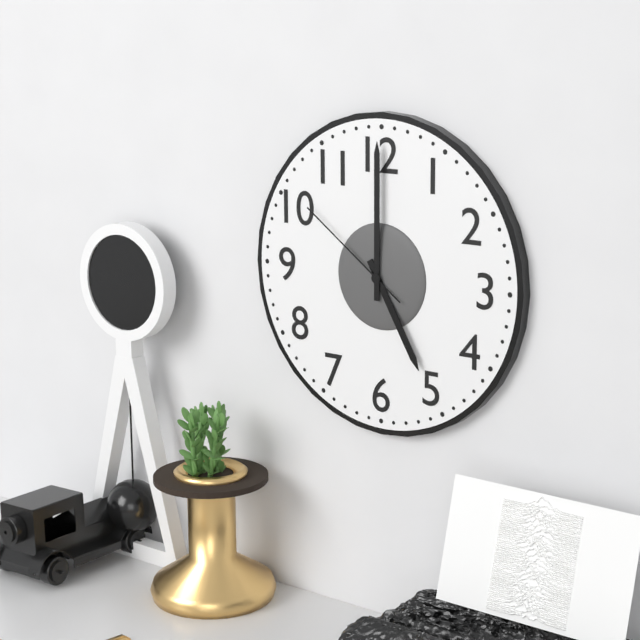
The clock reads 5,00,51
